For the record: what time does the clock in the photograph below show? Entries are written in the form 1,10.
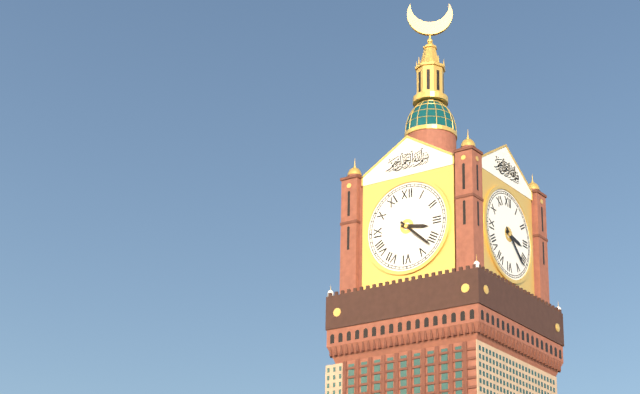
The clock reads 3,22
